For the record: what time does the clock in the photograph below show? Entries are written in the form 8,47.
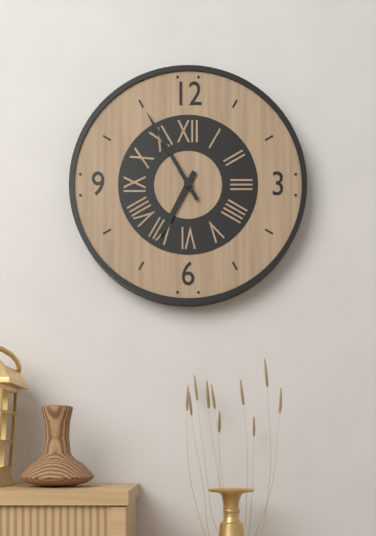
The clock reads 6,55
